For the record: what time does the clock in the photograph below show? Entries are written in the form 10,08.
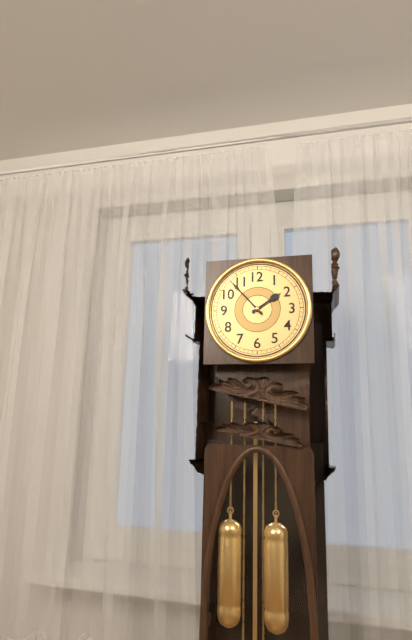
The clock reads 1,53
